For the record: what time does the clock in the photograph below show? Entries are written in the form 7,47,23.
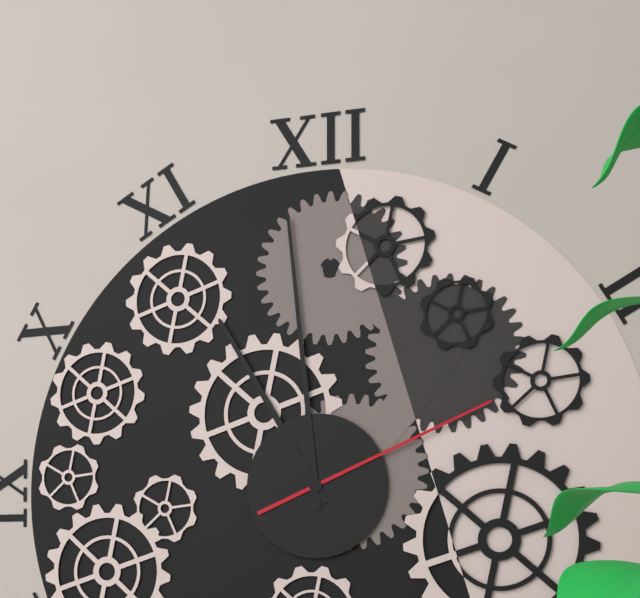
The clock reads 10,59,11
